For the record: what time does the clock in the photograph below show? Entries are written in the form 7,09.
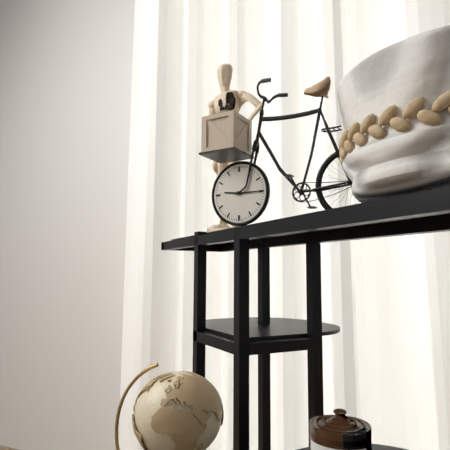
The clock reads 9,15
